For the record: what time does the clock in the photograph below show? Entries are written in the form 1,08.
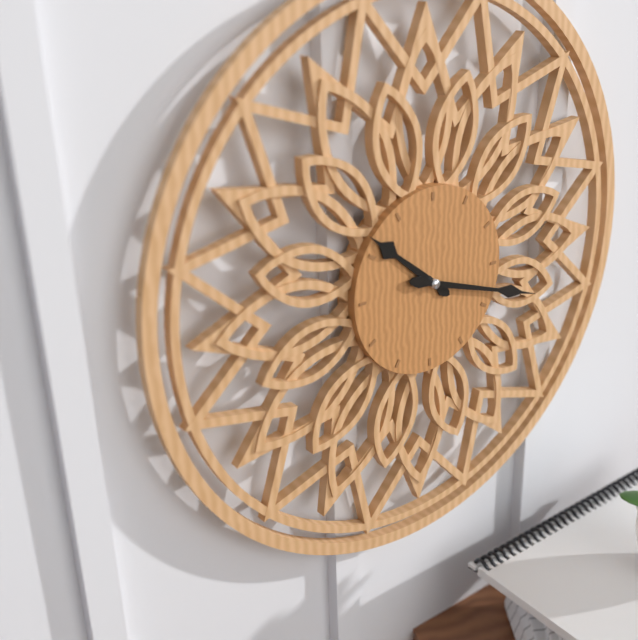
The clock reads 10,18
